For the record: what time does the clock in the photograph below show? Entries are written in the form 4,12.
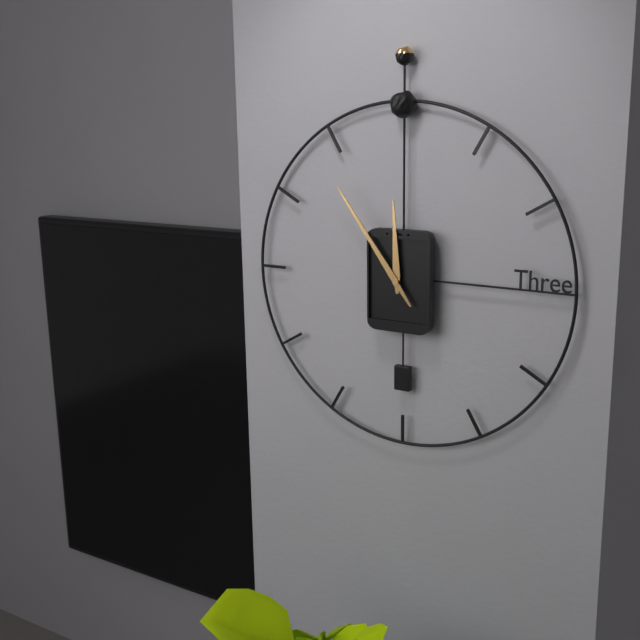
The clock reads 11,54
